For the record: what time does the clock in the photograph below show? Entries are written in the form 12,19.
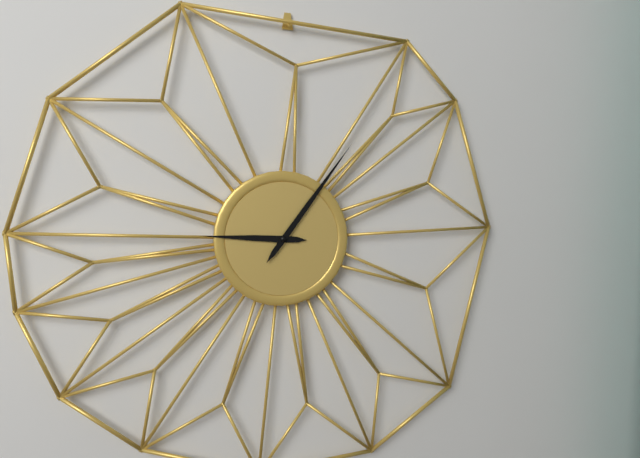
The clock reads 9,06
